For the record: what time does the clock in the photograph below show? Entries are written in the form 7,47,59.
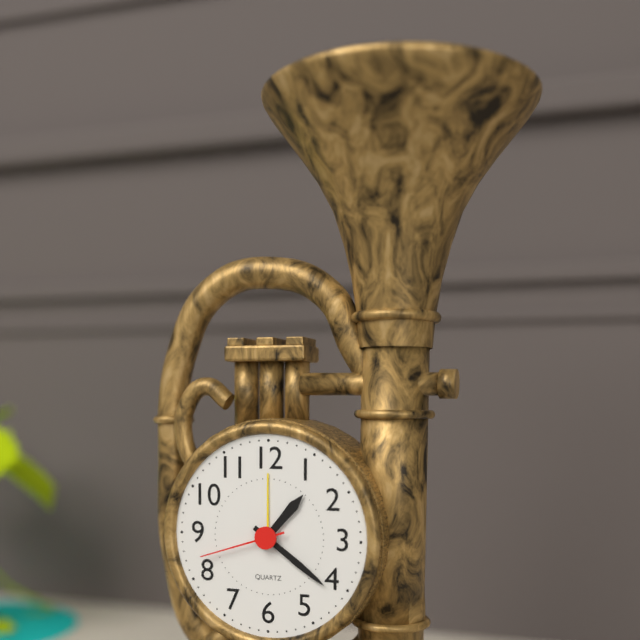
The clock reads 1,21,42
